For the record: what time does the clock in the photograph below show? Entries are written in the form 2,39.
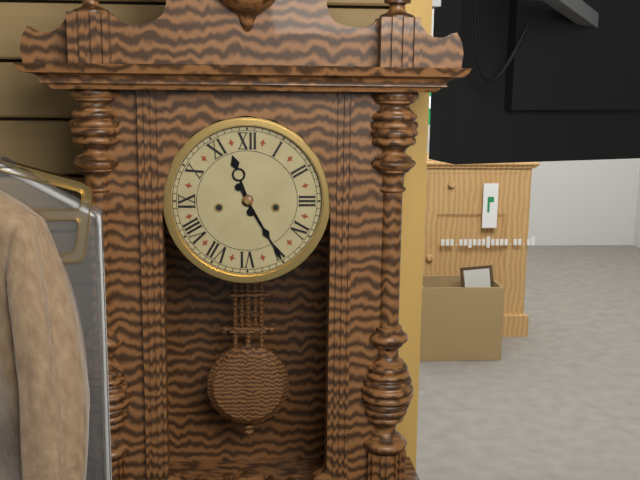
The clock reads 11,25
